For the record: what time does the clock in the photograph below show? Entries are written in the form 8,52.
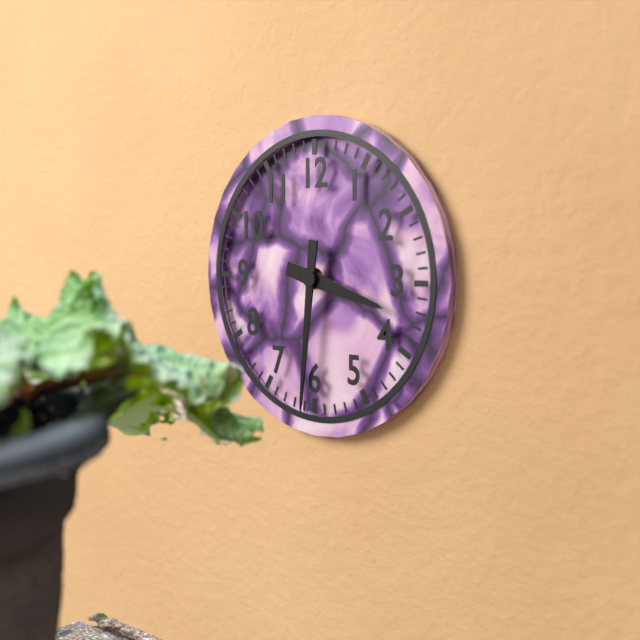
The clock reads 3,31
